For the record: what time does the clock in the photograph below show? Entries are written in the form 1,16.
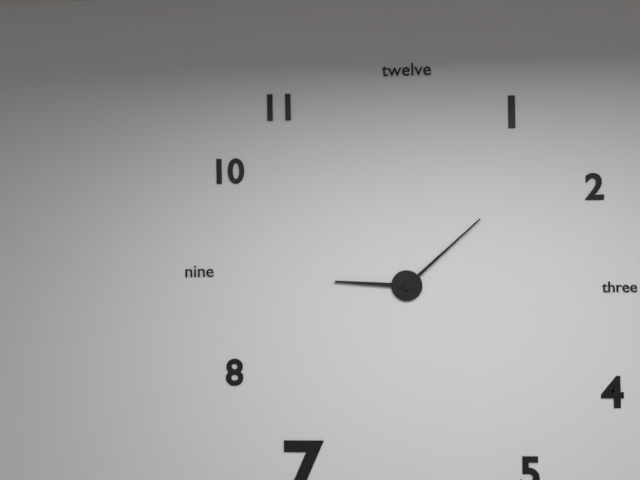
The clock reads 9,08
